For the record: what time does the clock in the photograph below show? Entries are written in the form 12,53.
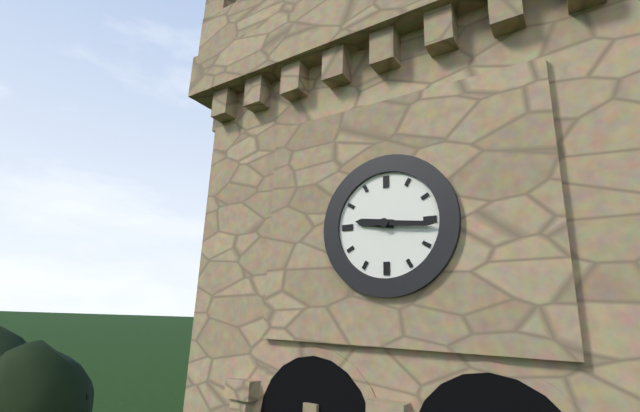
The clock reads 9,16
